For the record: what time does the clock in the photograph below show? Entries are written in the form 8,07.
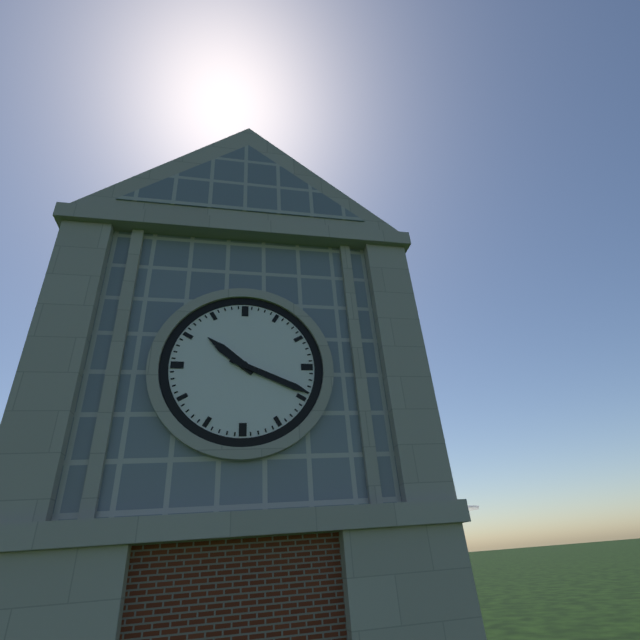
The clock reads 10,19
